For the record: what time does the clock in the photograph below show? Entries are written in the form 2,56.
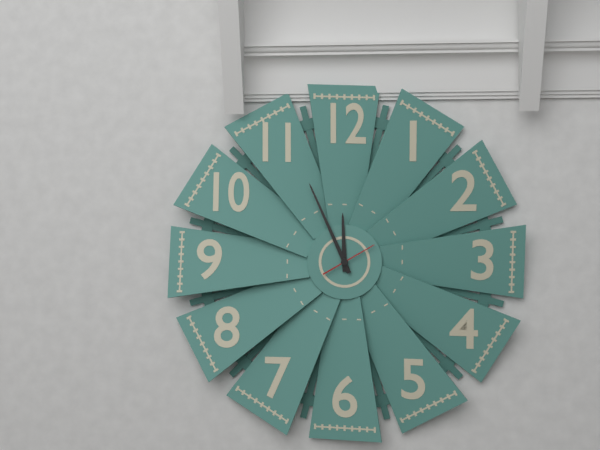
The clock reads 11,56
